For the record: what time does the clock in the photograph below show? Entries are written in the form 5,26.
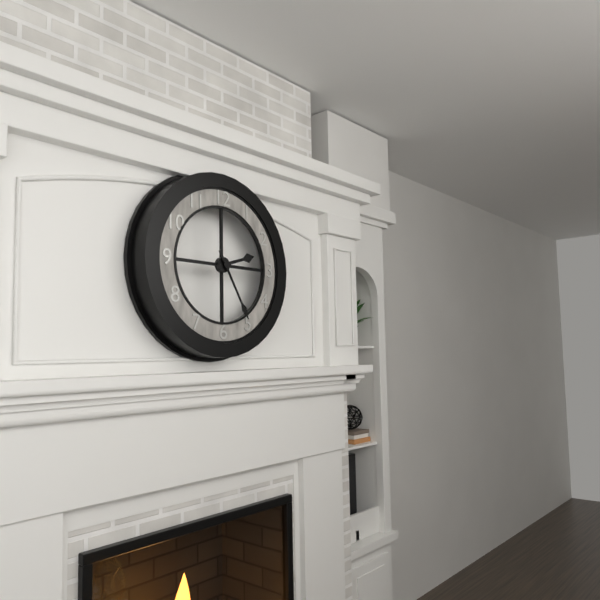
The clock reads 2,25
